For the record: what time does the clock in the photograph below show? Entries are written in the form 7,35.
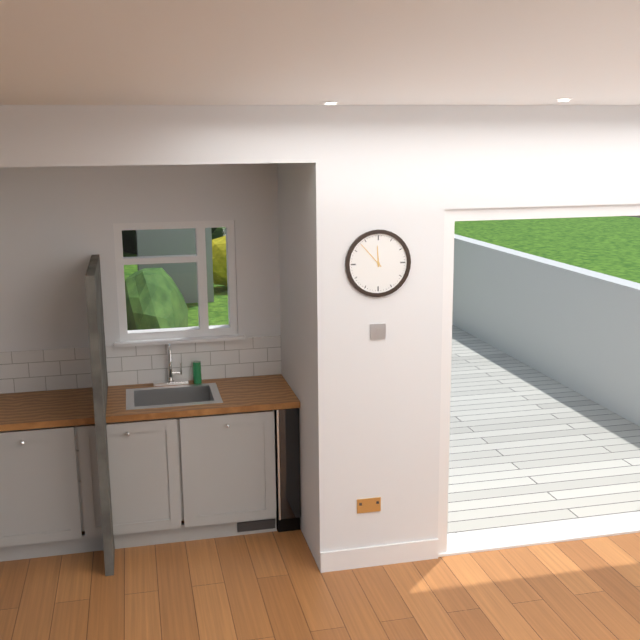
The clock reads 11,53
